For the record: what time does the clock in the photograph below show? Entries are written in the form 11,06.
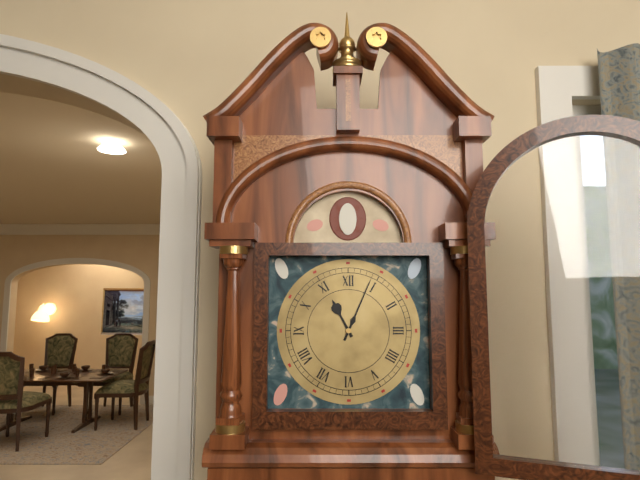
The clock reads 11,04
